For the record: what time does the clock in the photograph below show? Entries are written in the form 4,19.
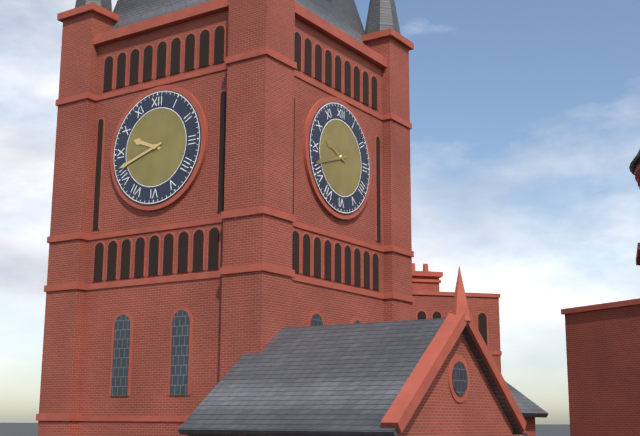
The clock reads 9,42
